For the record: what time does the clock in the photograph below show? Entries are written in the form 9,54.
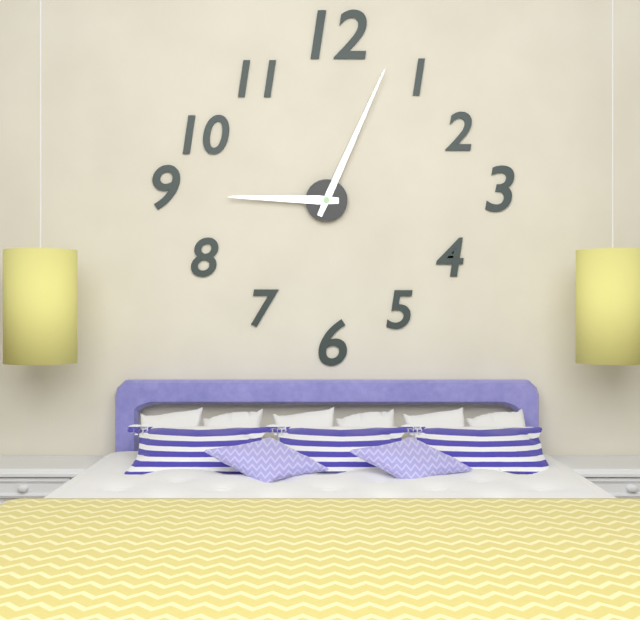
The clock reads 9,04
